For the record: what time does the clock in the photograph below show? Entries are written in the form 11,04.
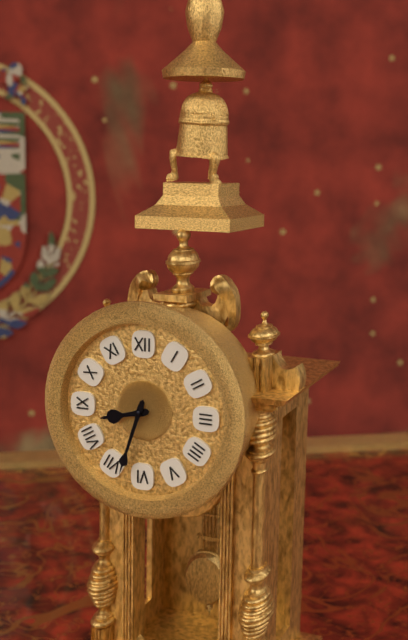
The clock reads 8,33
